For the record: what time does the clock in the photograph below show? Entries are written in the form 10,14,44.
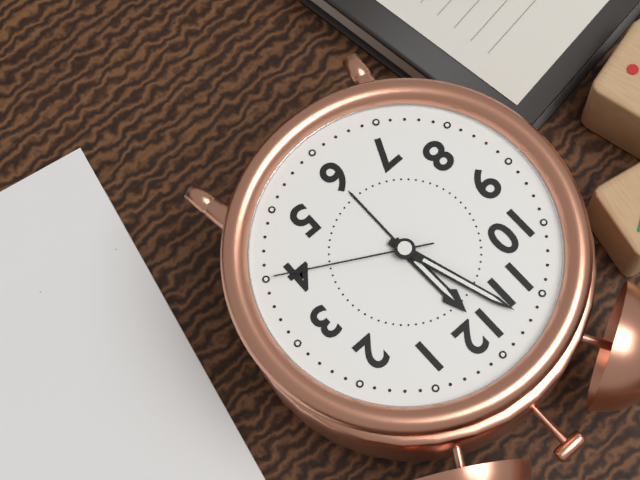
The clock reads 11,57,20
